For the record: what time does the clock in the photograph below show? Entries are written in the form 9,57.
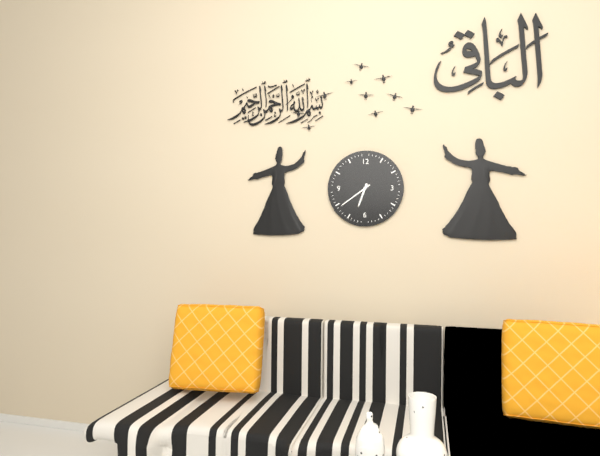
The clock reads 6,39
